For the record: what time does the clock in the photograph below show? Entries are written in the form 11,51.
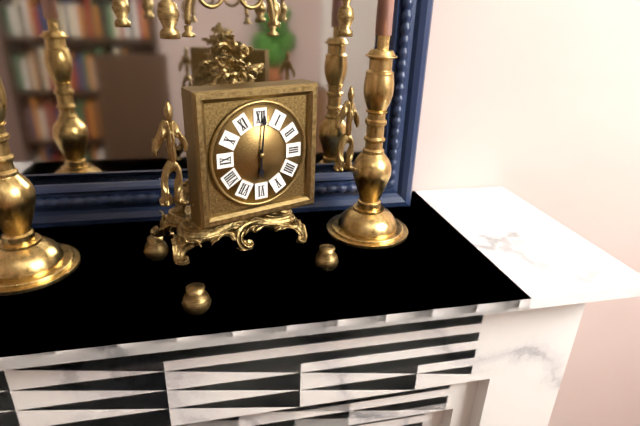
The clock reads 6,01
